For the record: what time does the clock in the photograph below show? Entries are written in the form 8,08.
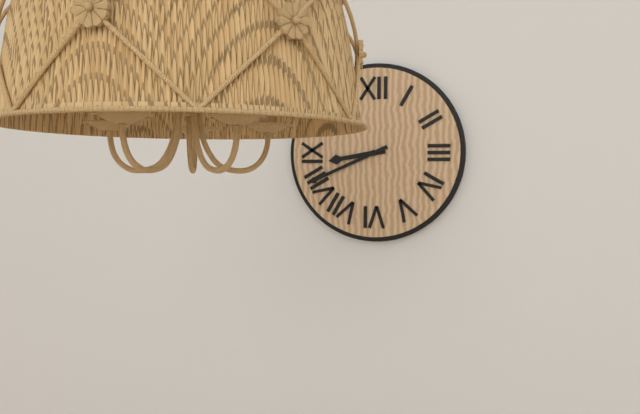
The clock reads 8,41
